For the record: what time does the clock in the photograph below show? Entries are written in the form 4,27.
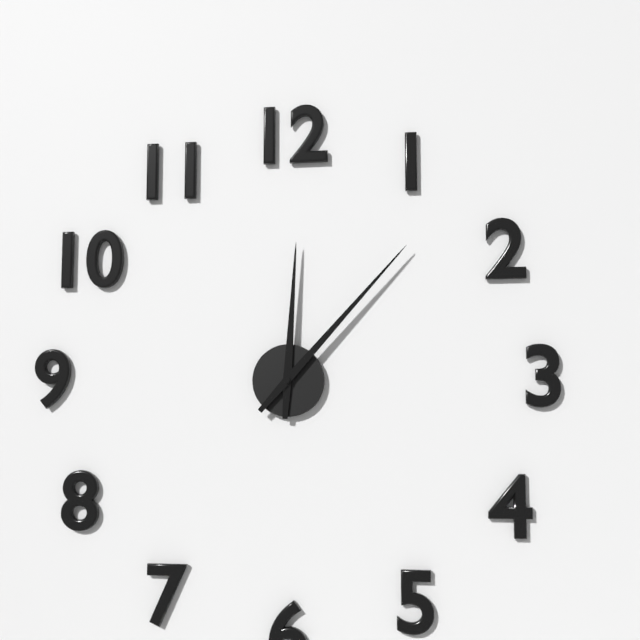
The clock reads 12,07
